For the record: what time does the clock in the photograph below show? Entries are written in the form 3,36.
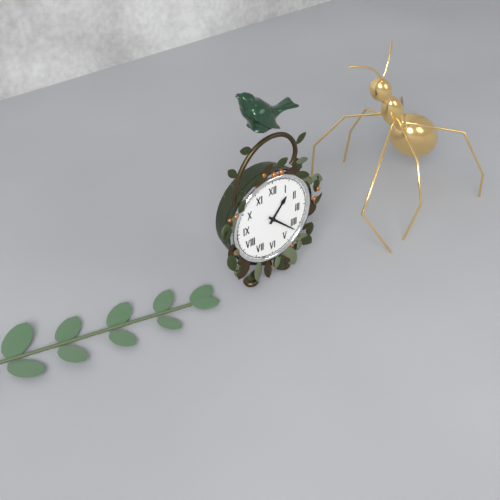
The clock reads 1,22
